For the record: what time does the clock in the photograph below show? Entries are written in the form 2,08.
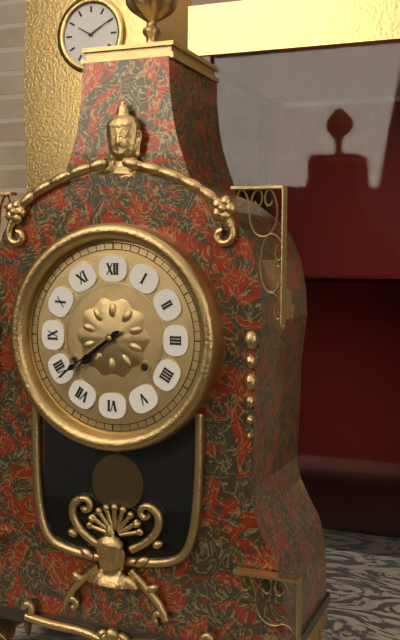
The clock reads 7,39
